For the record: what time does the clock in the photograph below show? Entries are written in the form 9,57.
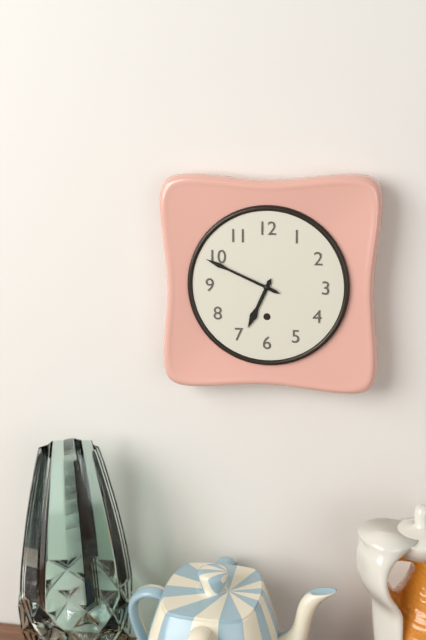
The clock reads 6,49
